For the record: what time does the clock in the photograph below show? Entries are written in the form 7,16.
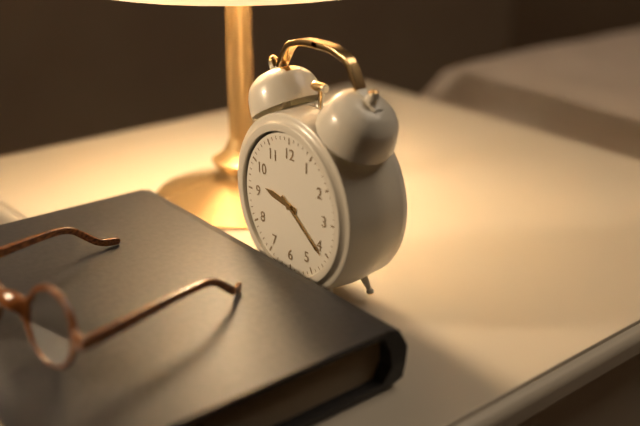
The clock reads 9,21
